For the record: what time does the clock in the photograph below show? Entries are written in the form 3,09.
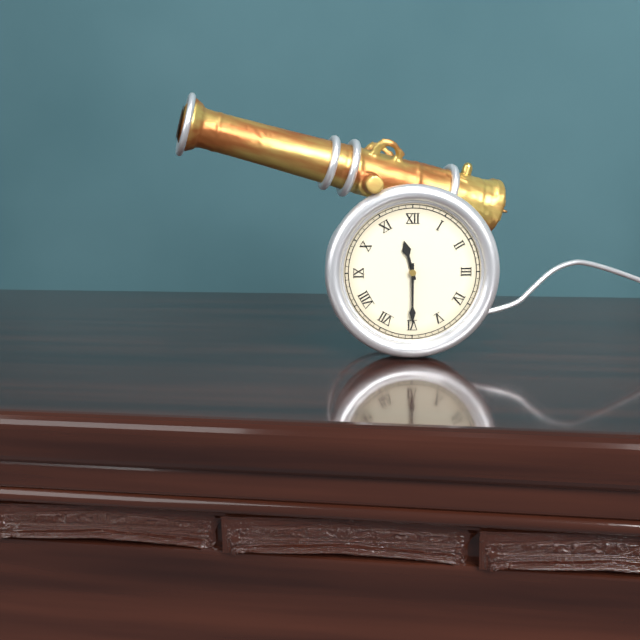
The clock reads 11,30
